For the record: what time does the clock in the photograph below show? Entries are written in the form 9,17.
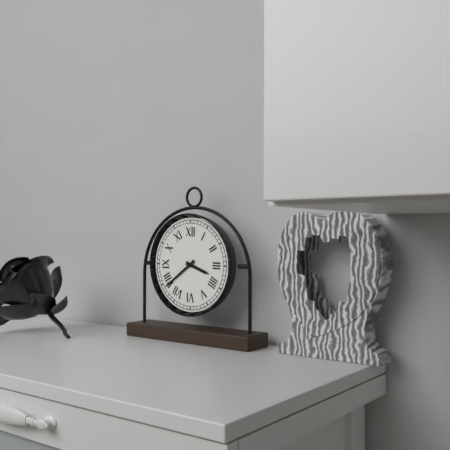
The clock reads 3,39
